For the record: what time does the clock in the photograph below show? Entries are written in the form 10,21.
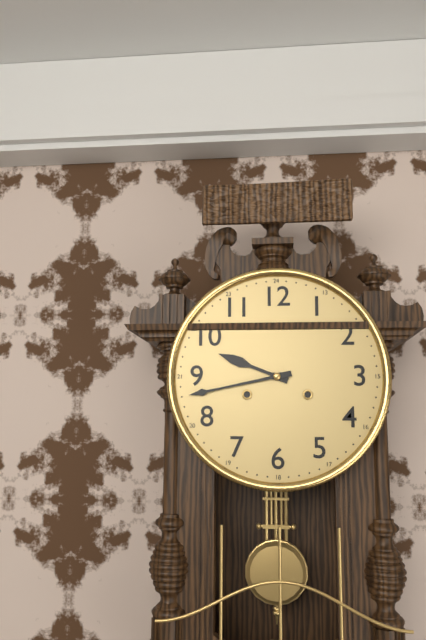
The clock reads 9,43
